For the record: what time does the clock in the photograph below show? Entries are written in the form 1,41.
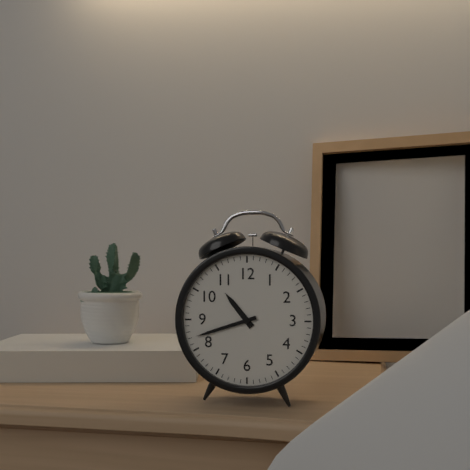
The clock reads 10,42
